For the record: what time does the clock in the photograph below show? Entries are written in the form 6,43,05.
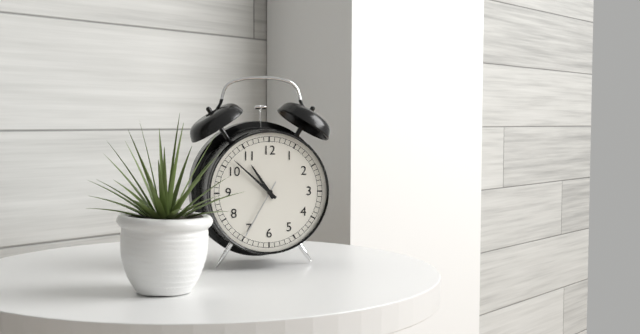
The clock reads 10,52,35
